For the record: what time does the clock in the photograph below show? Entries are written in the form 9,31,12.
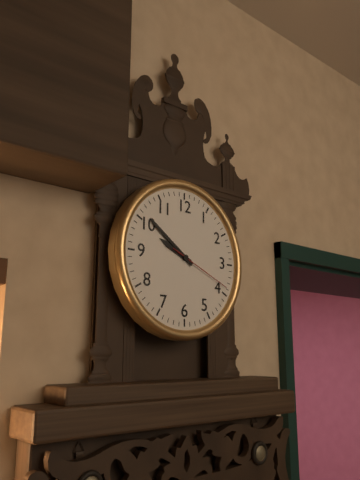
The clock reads 9,51,19
